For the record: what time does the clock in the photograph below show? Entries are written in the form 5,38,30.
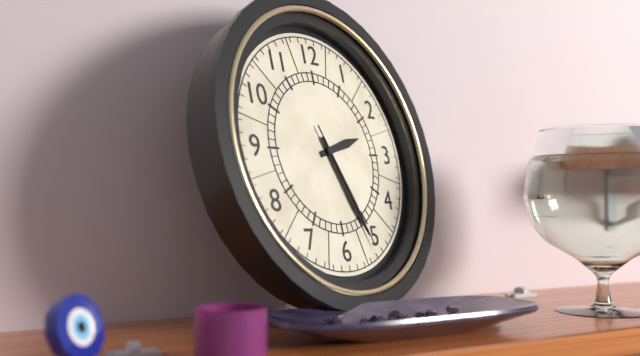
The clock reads 2,26,26
